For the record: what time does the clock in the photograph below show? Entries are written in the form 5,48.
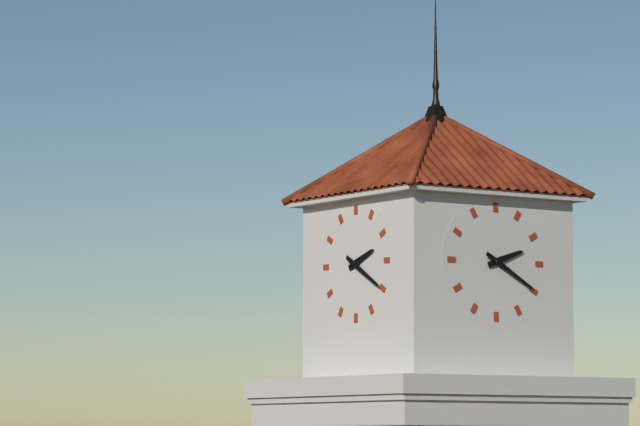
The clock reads 2,20
